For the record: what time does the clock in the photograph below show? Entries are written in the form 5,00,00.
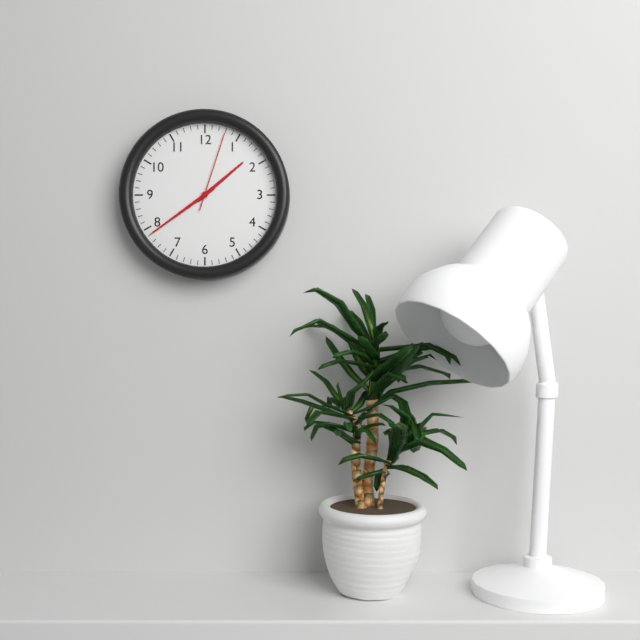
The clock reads 1,39,03
